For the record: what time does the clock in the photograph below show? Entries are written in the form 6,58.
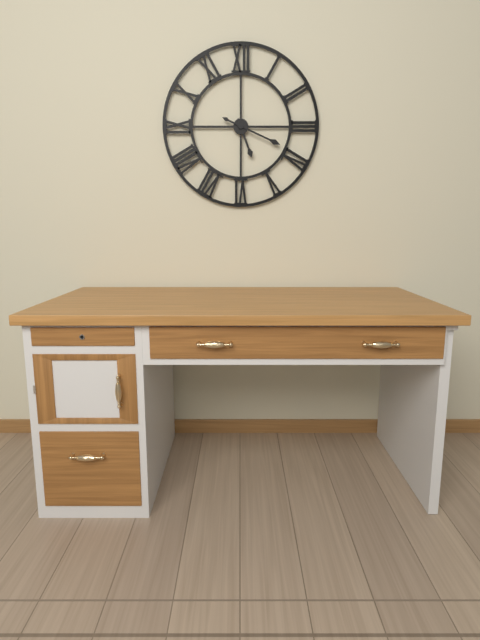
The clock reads 5,19
